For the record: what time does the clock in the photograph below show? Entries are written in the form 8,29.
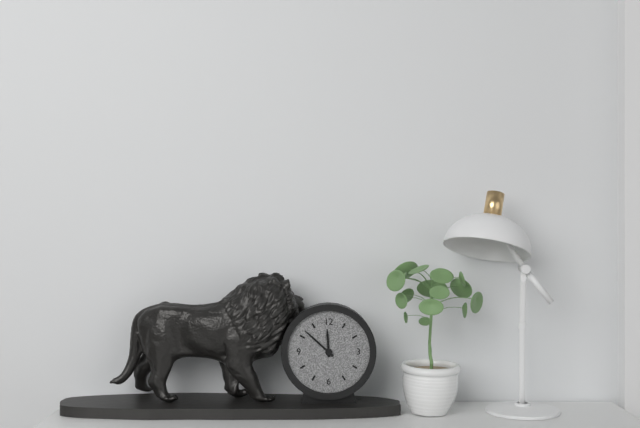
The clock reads 11,52
